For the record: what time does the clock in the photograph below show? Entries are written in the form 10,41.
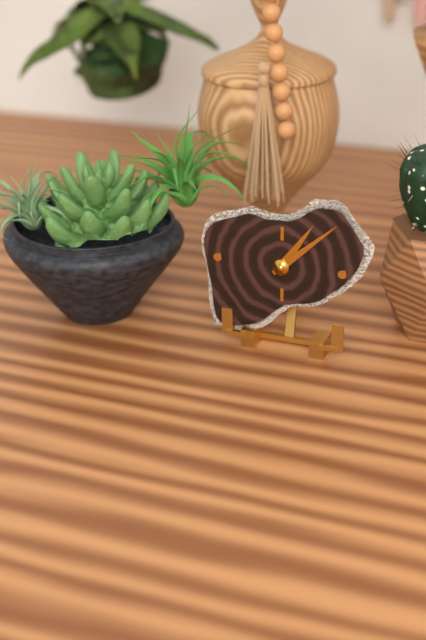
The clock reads 1,08
